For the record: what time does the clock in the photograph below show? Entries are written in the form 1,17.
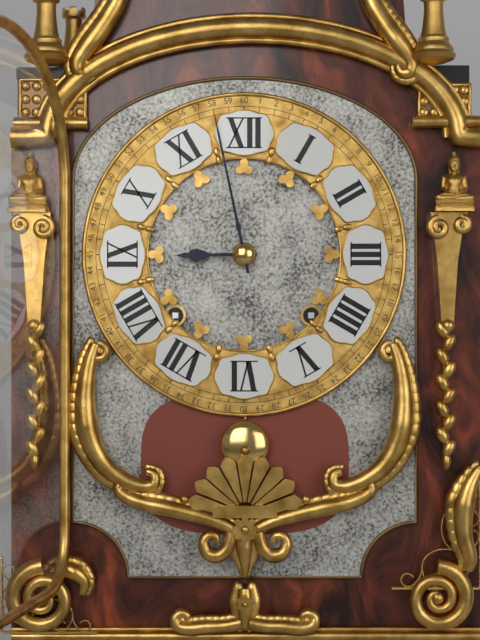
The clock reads 8,58
